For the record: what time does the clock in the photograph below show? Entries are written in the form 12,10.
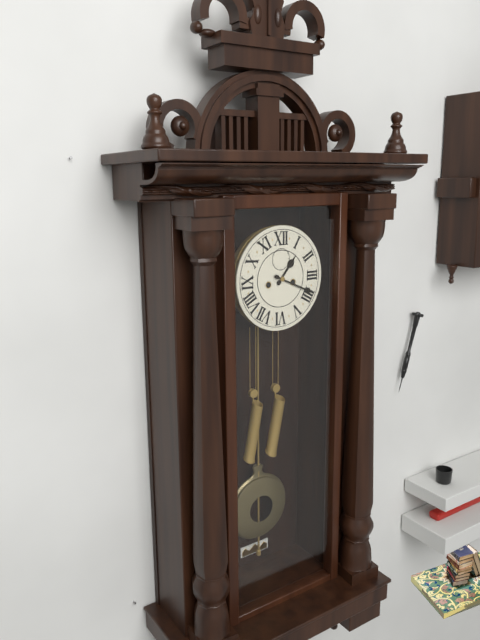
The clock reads 1,19
